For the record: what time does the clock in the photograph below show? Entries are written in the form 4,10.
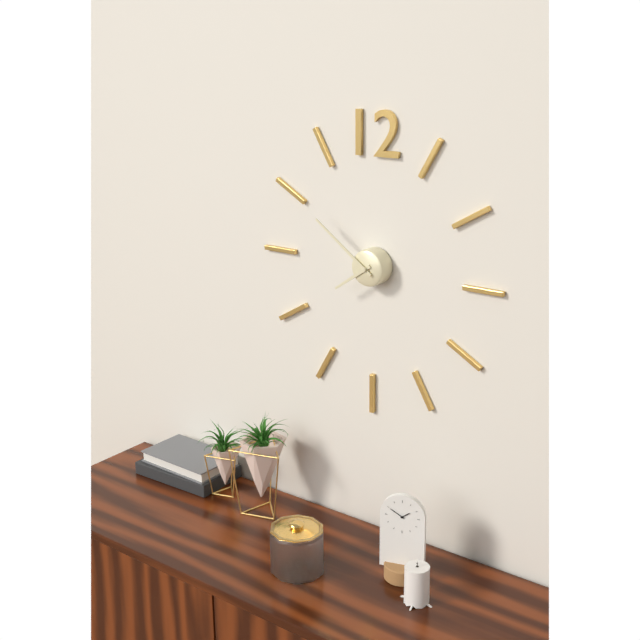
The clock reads 7,51
